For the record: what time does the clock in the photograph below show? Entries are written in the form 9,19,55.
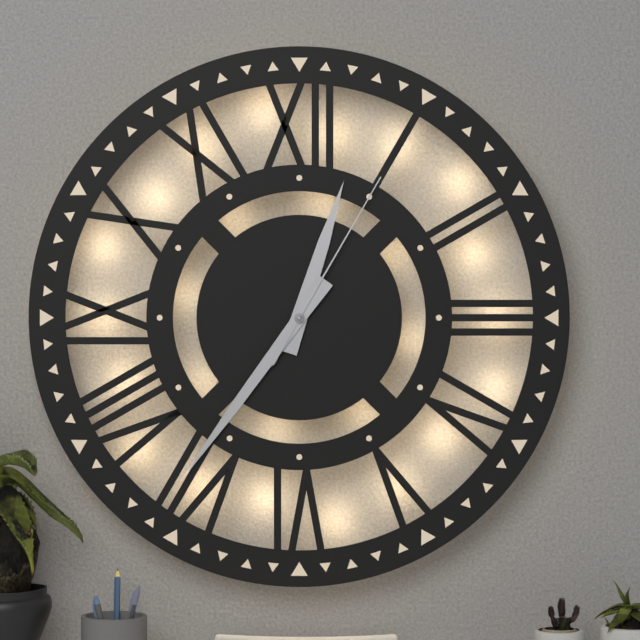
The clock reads 12,36,05
